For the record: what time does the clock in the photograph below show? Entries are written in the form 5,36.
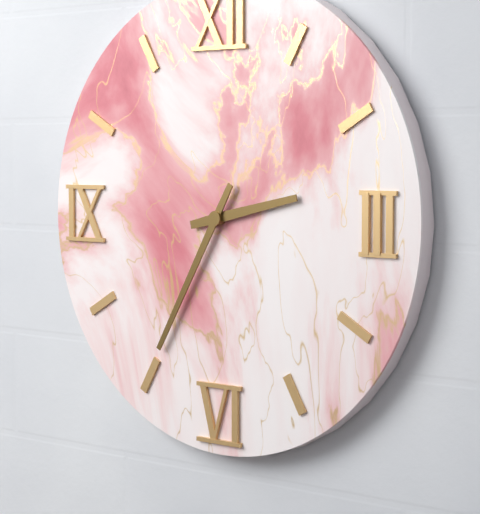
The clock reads 2,35
